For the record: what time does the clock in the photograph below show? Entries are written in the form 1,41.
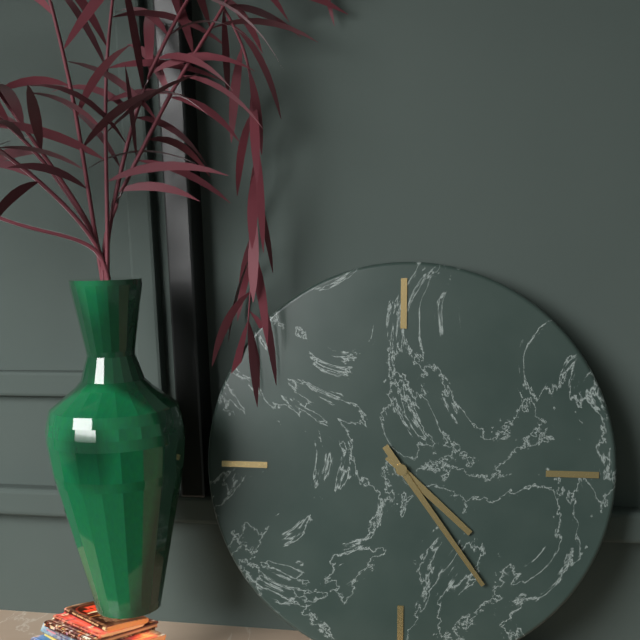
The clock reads 4,24
